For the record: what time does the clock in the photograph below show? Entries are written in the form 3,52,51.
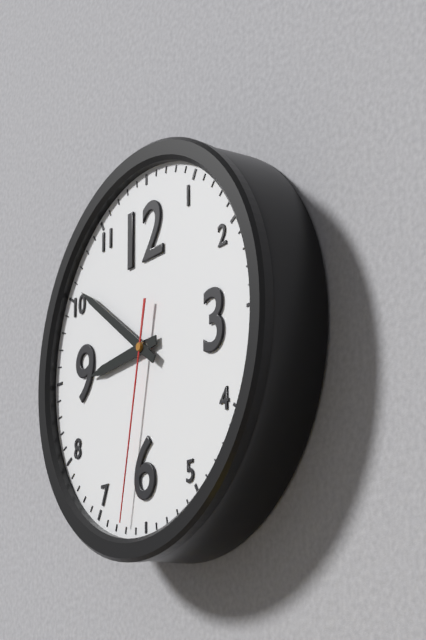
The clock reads 8,51,32
